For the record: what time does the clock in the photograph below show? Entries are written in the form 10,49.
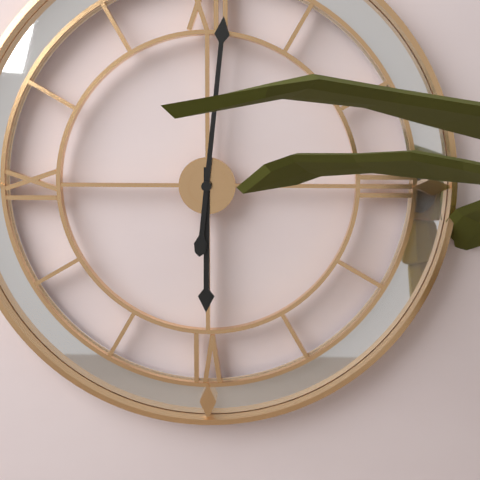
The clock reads 6,01
